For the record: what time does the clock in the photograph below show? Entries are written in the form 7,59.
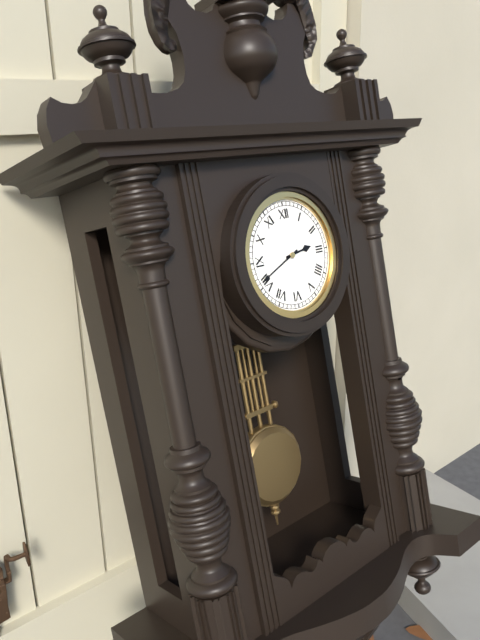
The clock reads 2,41
